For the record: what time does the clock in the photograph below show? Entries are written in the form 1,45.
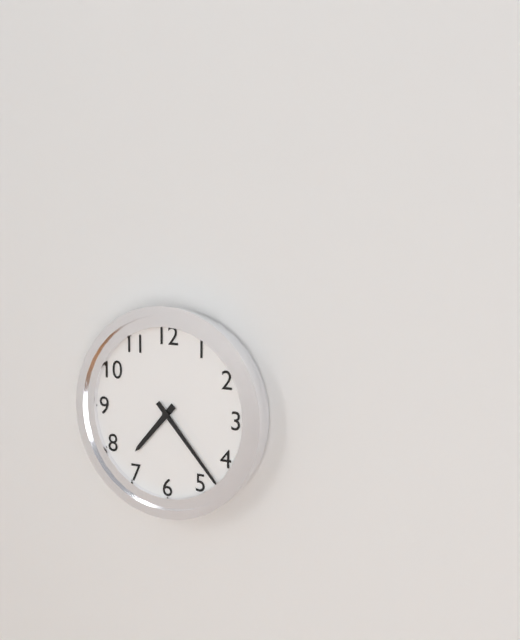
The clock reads 7,23
